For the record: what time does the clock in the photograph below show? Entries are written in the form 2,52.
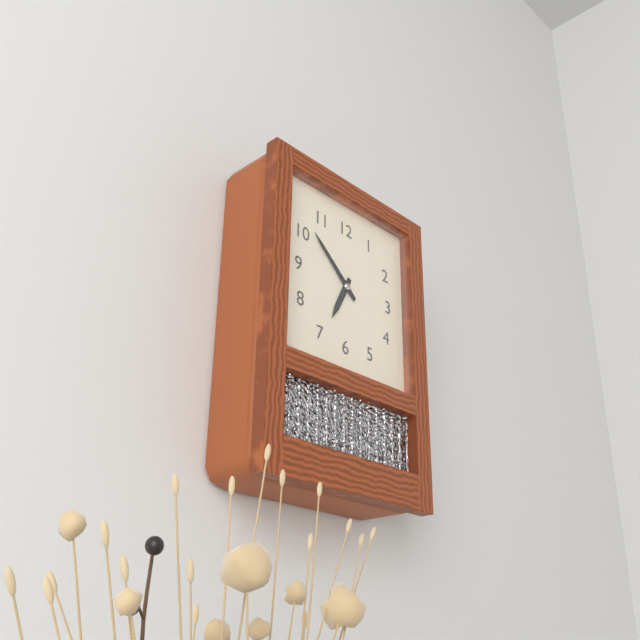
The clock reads 6,52
